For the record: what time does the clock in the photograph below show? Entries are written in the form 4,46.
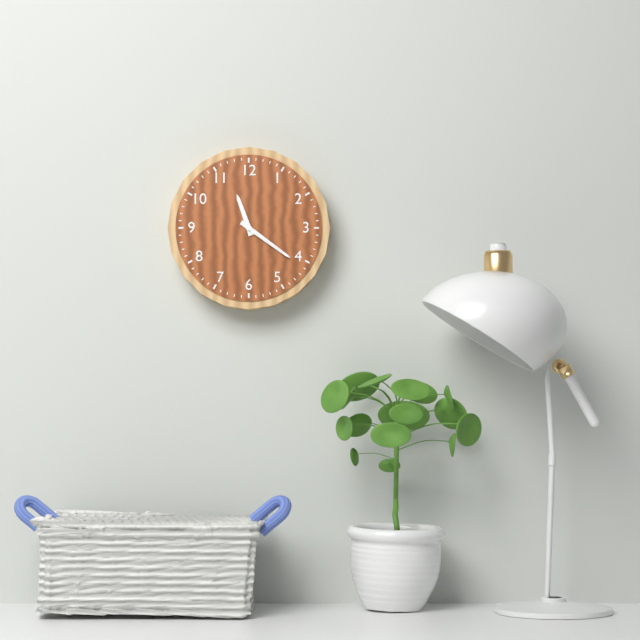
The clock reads 11,21
